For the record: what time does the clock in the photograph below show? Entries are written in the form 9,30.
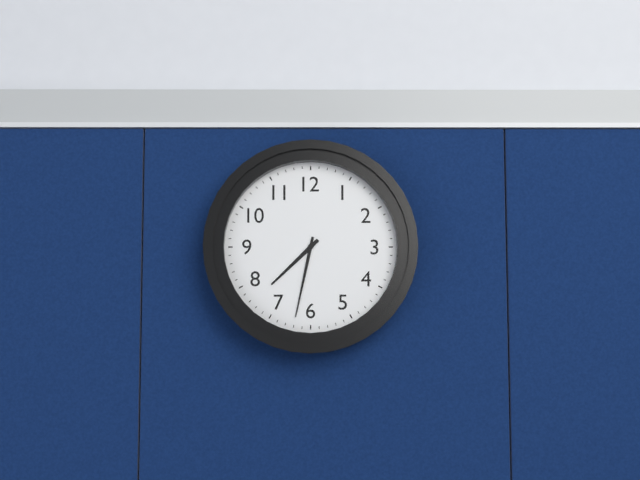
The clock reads 7,32
